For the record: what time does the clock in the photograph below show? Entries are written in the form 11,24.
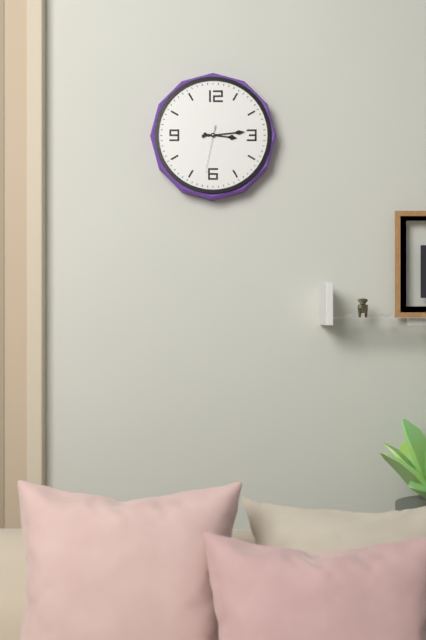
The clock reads 3,14
